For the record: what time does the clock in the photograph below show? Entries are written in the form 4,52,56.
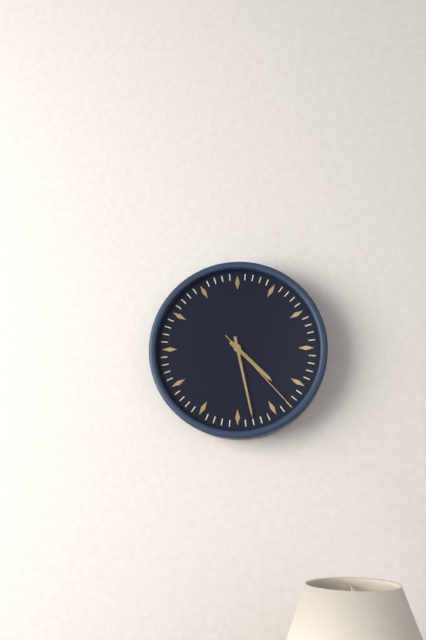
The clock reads 4,28,23
